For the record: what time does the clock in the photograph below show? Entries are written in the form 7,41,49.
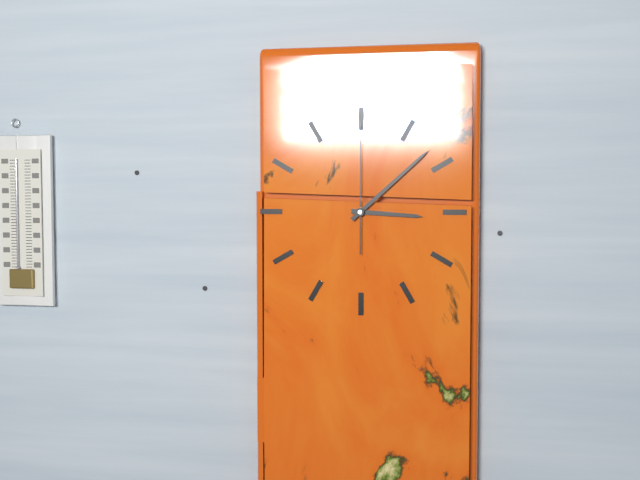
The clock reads 3,08,00
